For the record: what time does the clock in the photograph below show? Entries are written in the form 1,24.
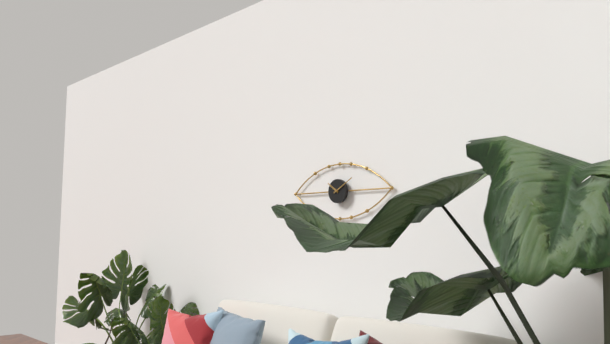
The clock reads 10,10
